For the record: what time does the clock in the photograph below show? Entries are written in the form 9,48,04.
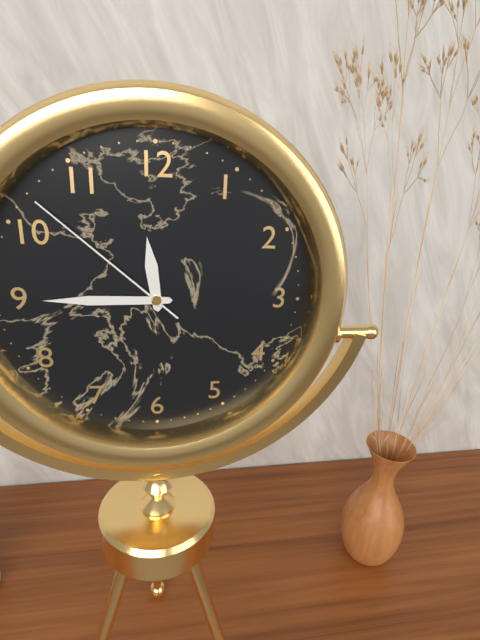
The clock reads 11,45,52
